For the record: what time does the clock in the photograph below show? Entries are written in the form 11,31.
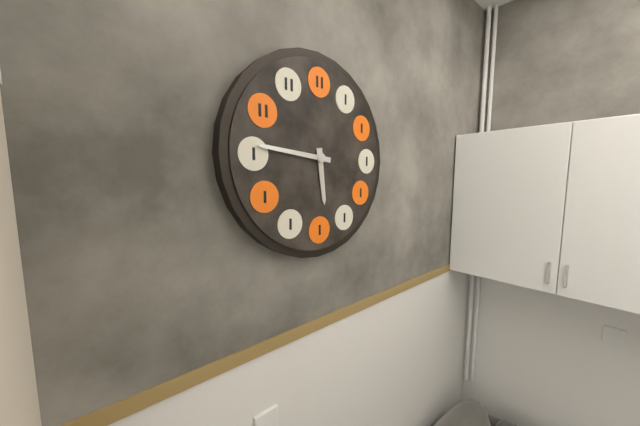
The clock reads 5,46
